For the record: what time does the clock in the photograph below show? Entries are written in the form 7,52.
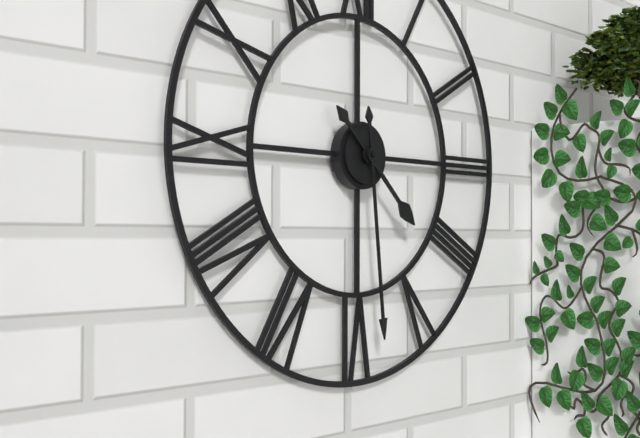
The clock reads 4,29
